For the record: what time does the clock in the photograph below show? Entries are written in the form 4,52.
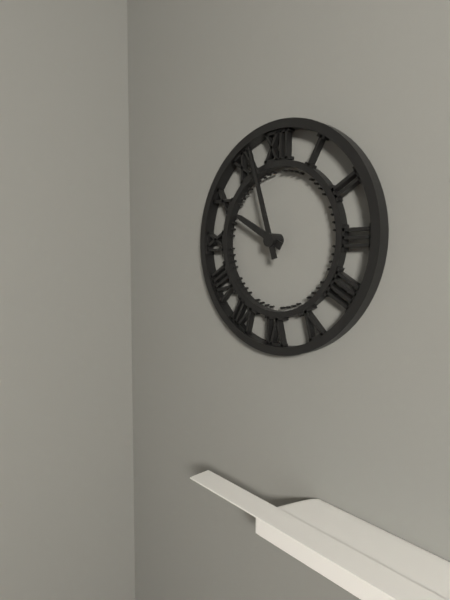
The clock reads 9,57
